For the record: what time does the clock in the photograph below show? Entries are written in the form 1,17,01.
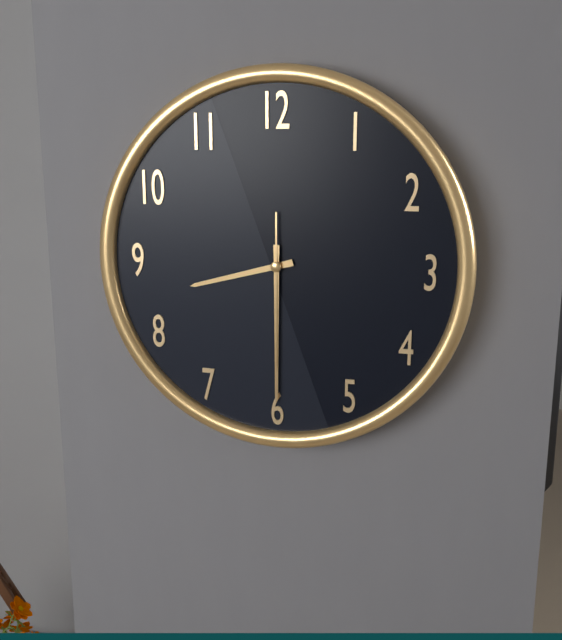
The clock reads 8,30,30
